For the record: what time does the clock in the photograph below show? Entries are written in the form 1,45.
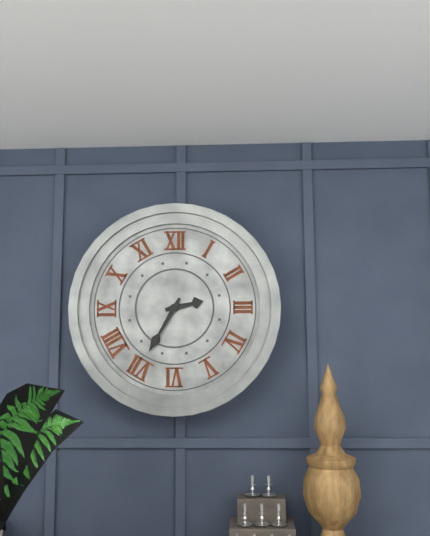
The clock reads 2,35
